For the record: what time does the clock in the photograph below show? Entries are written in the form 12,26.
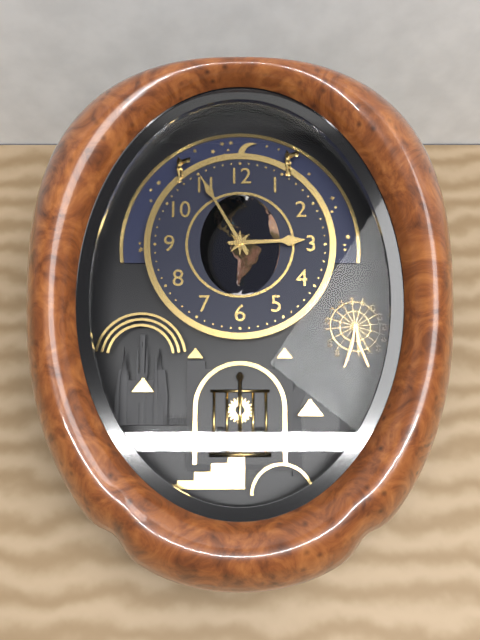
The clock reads 2,55
